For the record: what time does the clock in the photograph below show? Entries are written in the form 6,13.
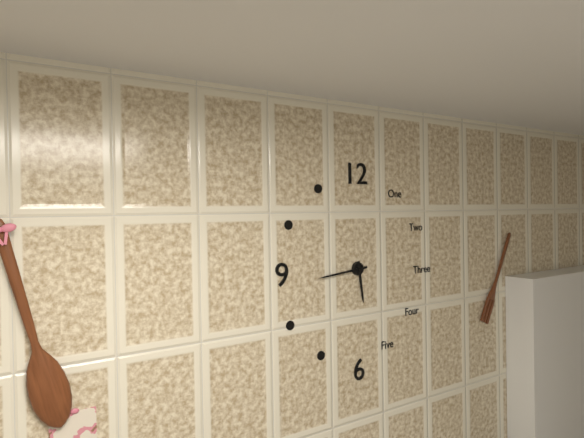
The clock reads 5,44
